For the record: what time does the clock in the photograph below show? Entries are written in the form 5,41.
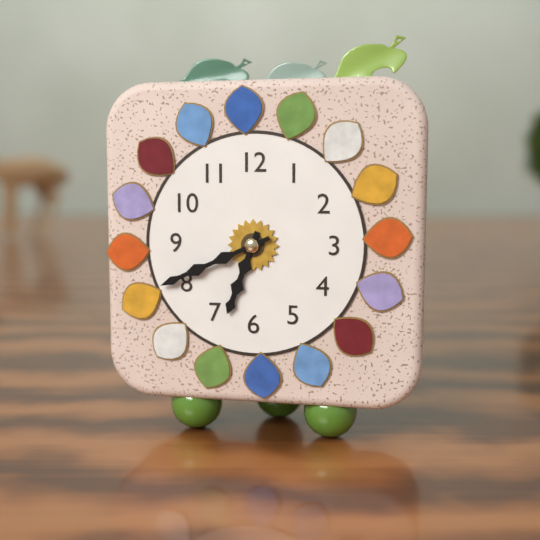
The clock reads 6,41
